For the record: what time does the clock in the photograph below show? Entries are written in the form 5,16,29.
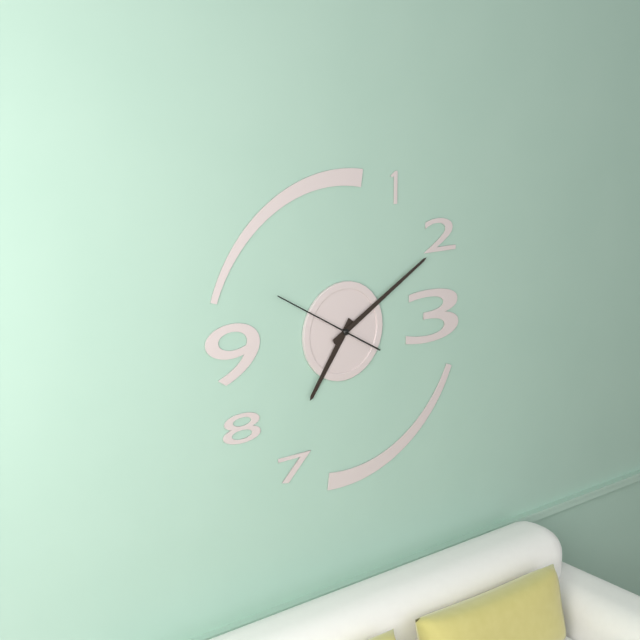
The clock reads 7,10,50
